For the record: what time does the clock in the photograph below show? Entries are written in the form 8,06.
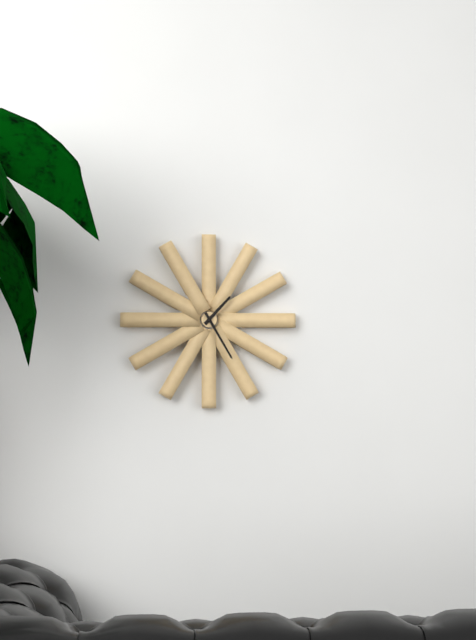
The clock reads 1,25
